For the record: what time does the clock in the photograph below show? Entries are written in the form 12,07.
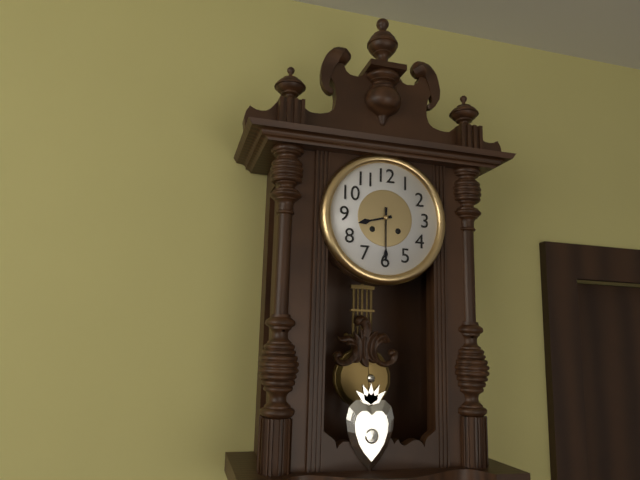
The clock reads 8,30
